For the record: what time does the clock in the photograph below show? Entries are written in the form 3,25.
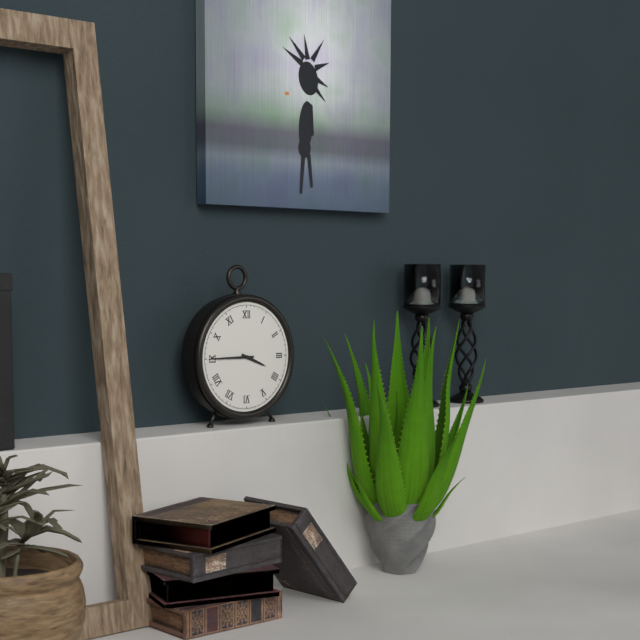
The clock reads 3,45
